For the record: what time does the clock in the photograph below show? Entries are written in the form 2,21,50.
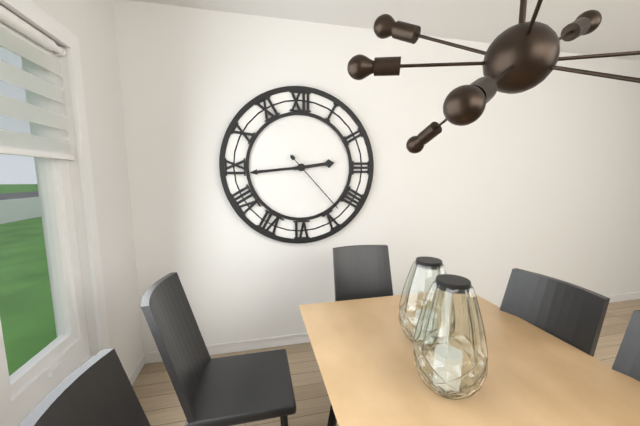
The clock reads 2,44,23
